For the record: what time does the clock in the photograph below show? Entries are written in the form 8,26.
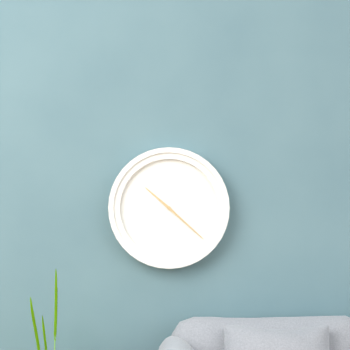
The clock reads 10,22
